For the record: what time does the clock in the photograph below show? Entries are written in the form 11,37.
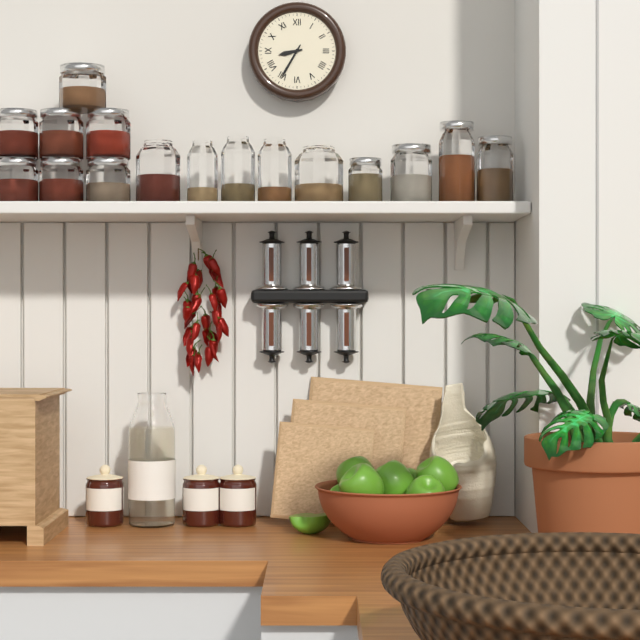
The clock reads 8,35
